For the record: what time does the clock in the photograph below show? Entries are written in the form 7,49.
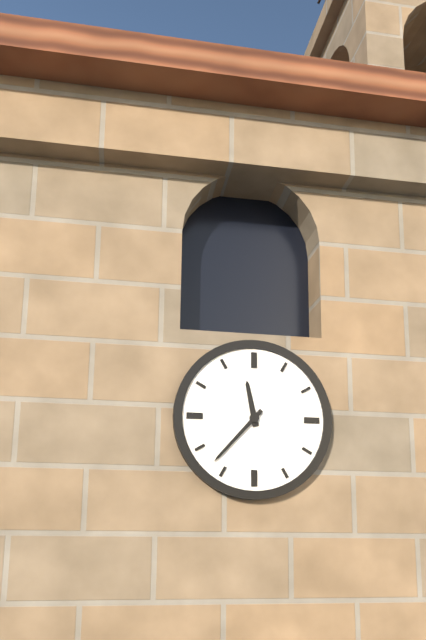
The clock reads 11,37
